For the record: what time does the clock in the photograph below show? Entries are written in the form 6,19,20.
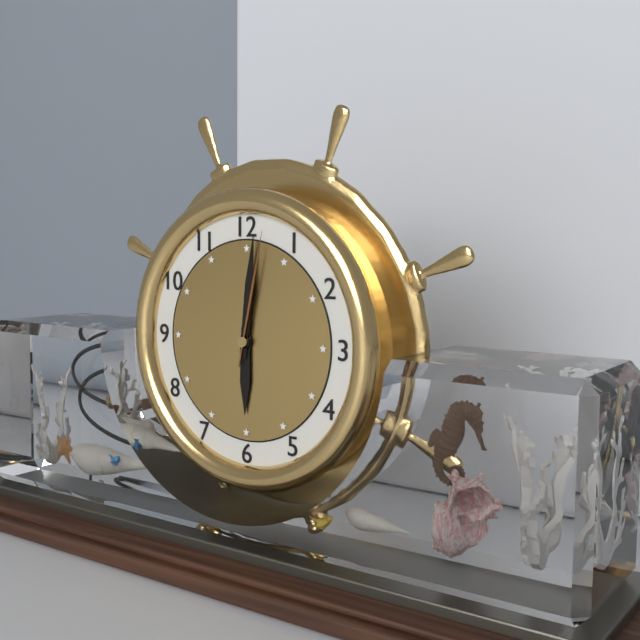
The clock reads 6,01,02
